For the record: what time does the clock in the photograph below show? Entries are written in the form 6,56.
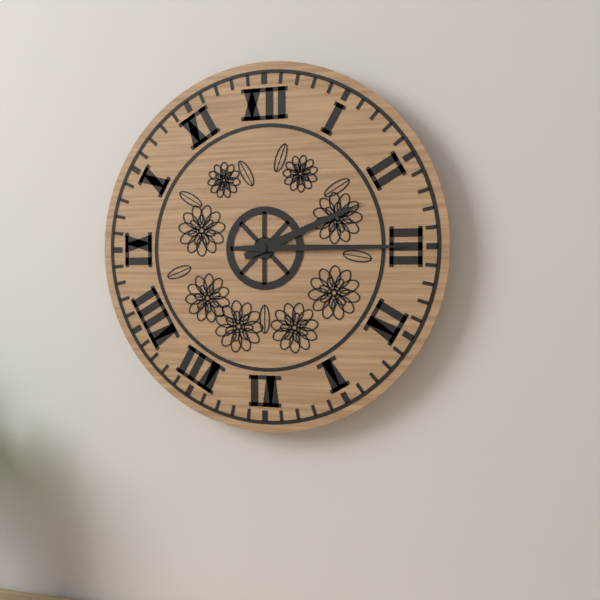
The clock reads 2,15
